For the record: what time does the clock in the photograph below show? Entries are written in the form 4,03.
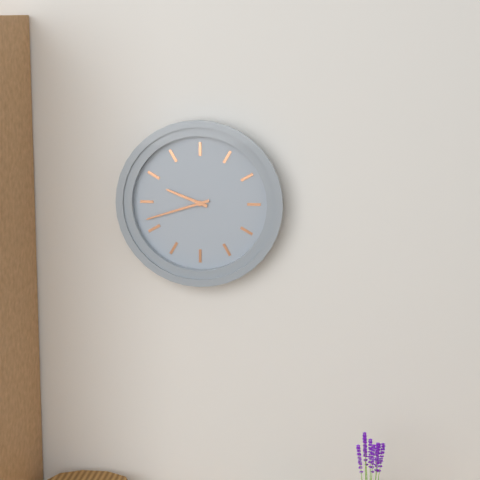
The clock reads 9,42
